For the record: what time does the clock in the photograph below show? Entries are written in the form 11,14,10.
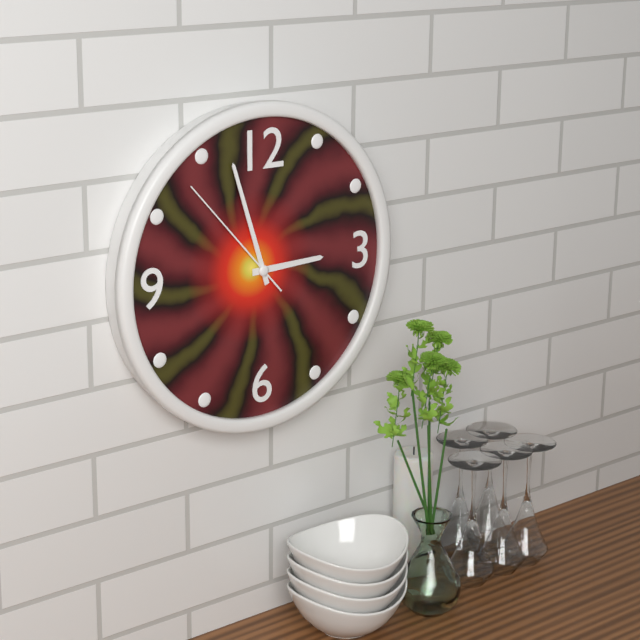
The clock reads 2,57,53
